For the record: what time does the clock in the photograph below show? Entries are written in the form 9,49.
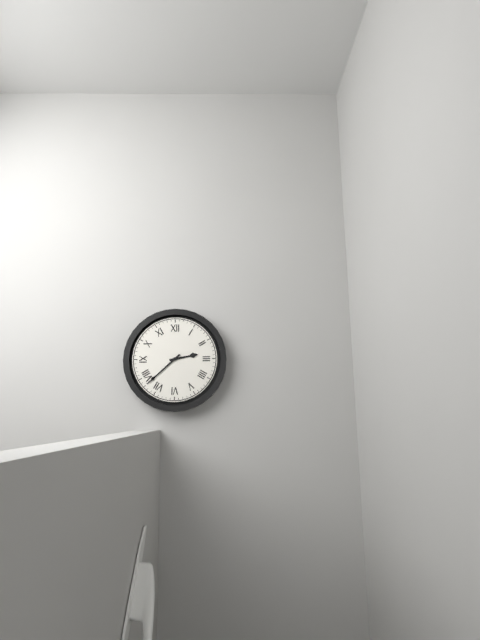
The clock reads 2,38
